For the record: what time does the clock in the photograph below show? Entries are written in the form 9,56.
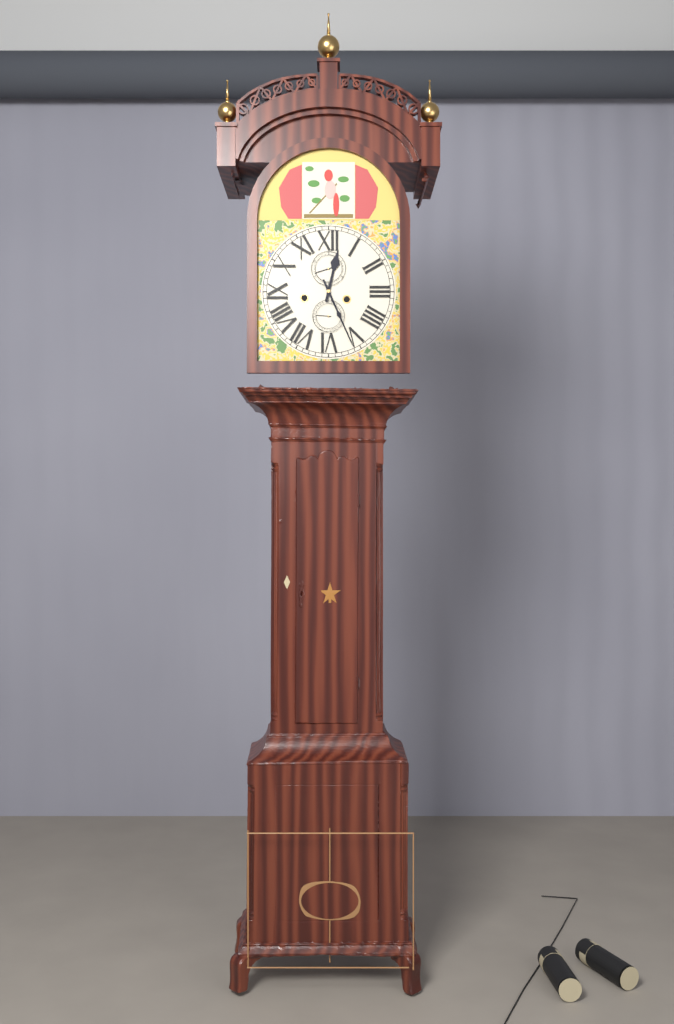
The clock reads 12,26
